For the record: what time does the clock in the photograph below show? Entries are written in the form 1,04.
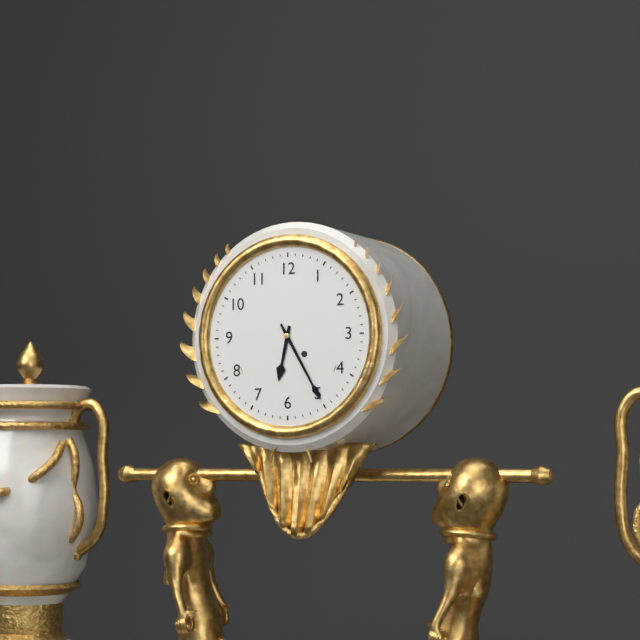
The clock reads 6,25
